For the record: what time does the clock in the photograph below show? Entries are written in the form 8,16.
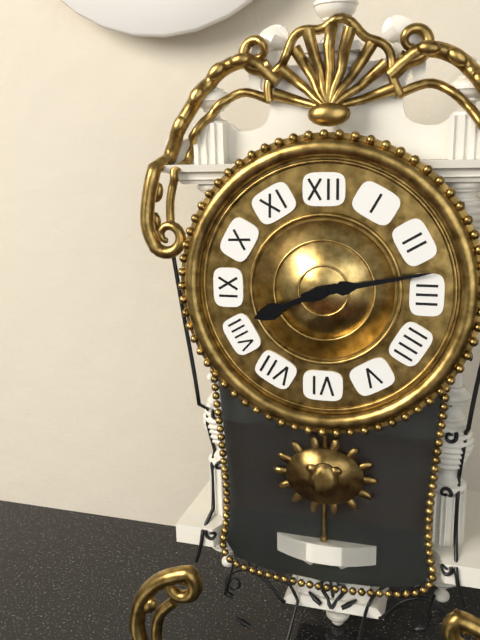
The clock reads 8,13
